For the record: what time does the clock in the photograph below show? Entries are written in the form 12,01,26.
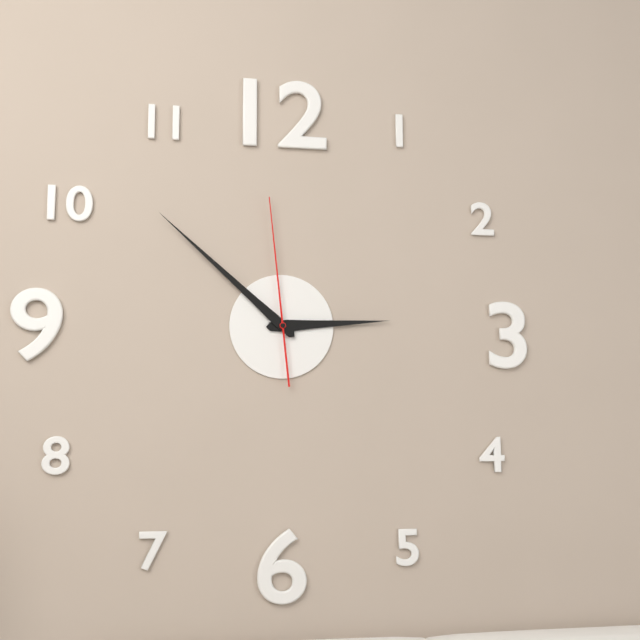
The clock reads 2,52,59
